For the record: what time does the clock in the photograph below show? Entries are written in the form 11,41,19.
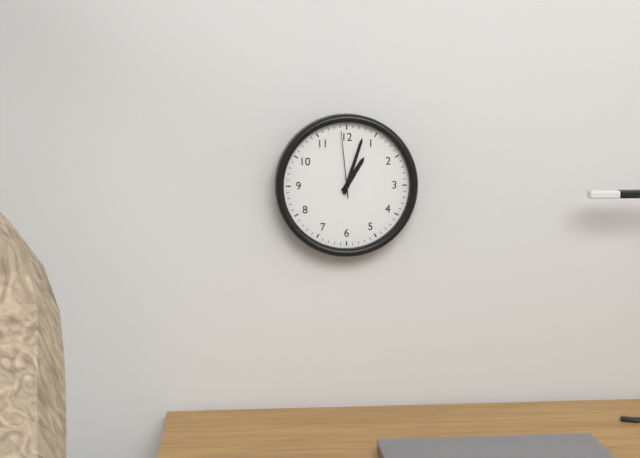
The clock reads 1,03,59
